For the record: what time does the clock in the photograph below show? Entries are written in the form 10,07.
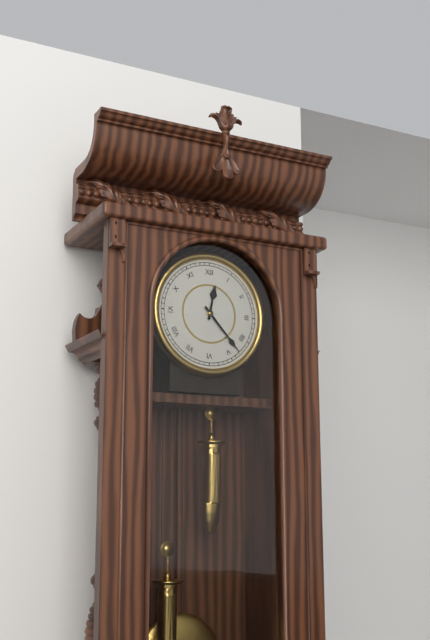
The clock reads 12,23
